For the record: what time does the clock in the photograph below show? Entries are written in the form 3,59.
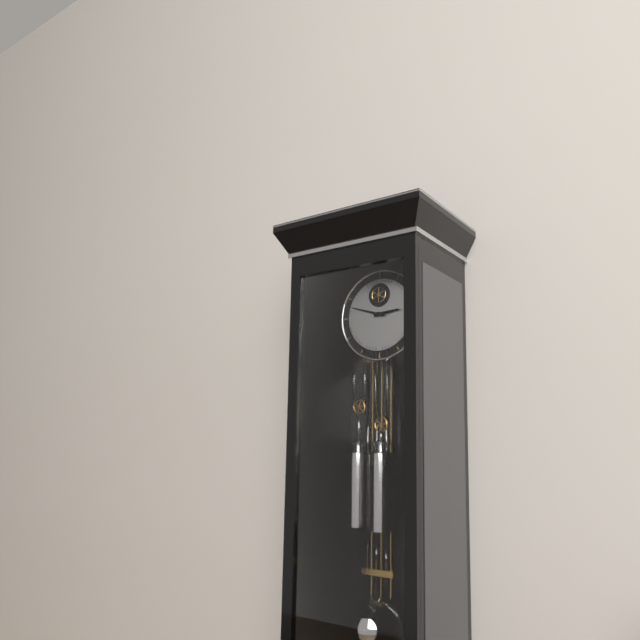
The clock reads 2,48
